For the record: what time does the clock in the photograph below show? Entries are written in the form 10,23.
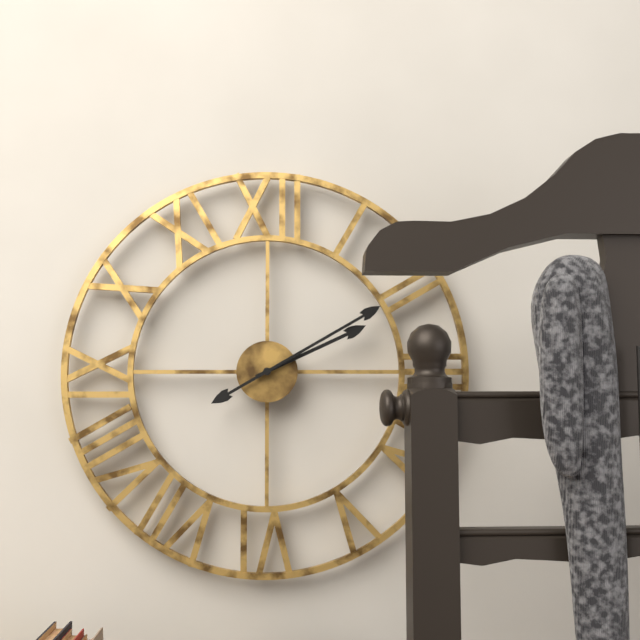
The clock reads 2,10
